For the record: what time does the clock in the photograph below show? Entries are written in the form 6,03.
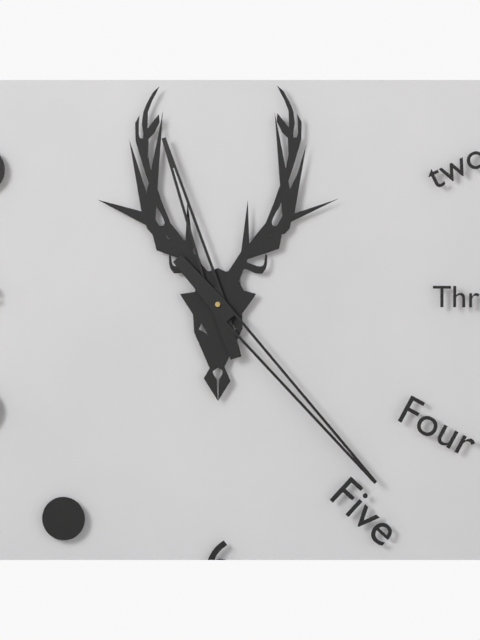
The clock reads 11,23
